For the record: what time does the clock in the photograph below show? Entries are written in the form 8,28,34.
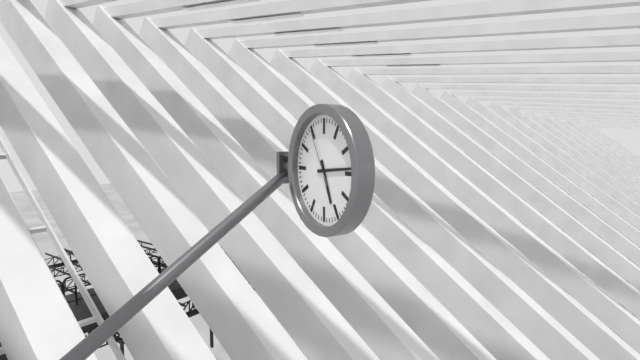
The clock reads 5,14,55
